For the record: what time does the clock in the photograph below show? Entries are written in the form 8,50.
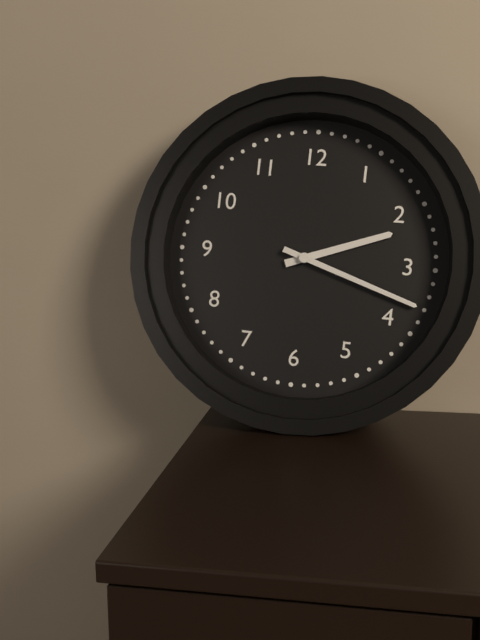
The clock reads 2,18
